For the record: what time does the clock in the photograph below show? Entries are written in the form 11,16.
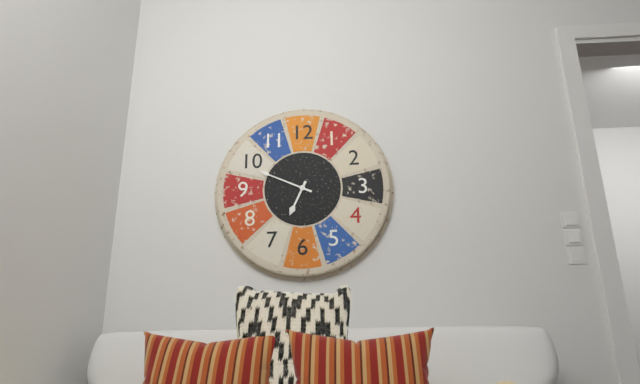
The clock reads 6,49
